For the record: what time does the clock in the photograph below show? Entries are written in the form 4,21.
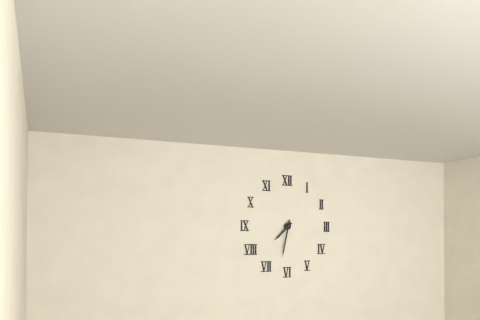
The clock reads 7,32
